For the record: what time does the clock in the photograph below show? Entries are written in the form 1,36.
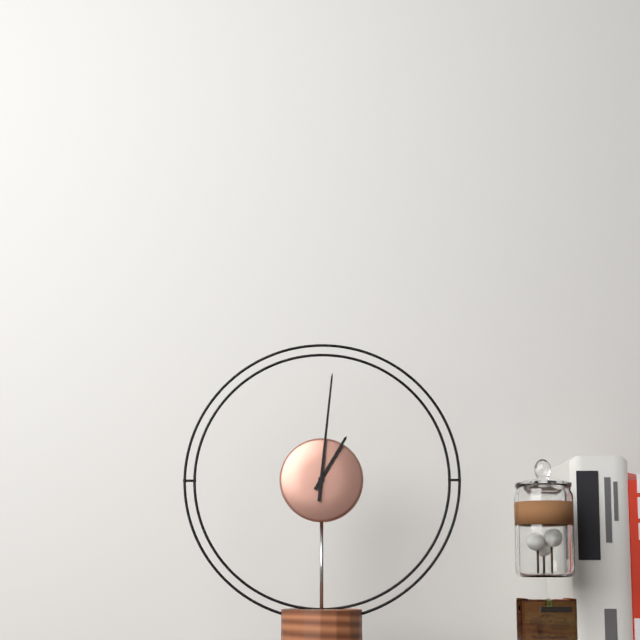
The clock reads 1,01
